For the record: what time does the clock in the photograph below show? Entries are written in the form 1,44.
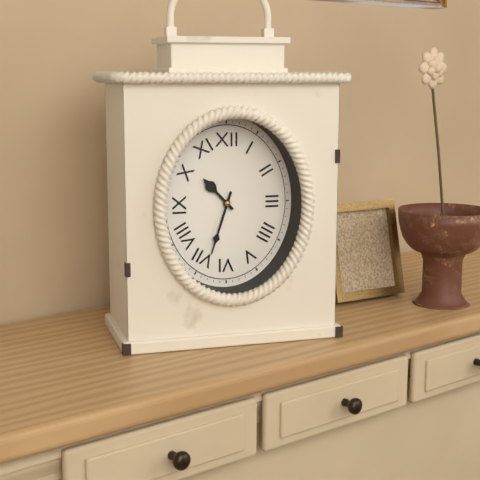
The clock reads 10,33
